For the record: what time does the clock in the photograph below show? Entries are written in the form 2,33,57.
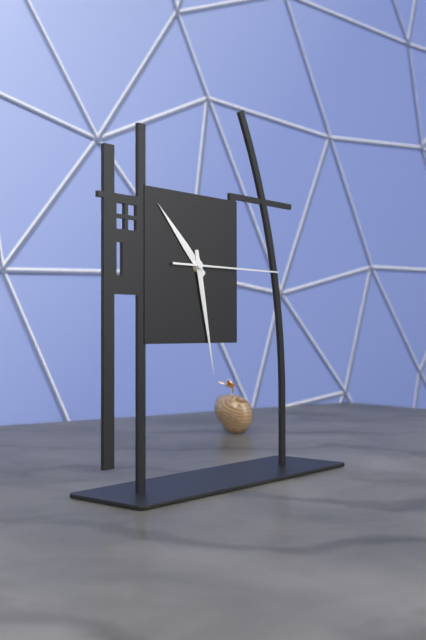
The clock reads 10,28,15
